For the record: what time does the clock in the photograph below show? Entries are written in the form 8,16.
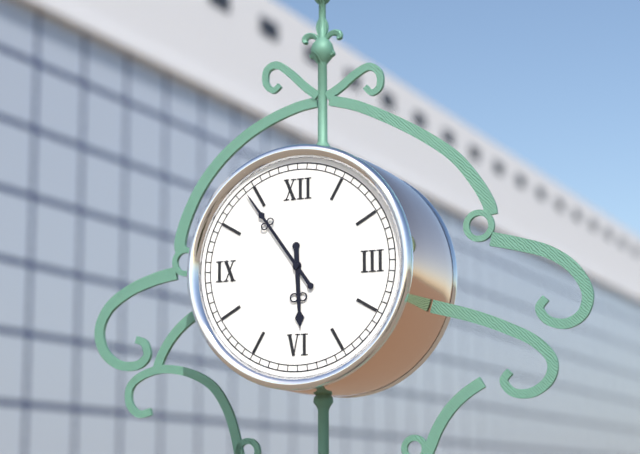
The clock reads 5,54
